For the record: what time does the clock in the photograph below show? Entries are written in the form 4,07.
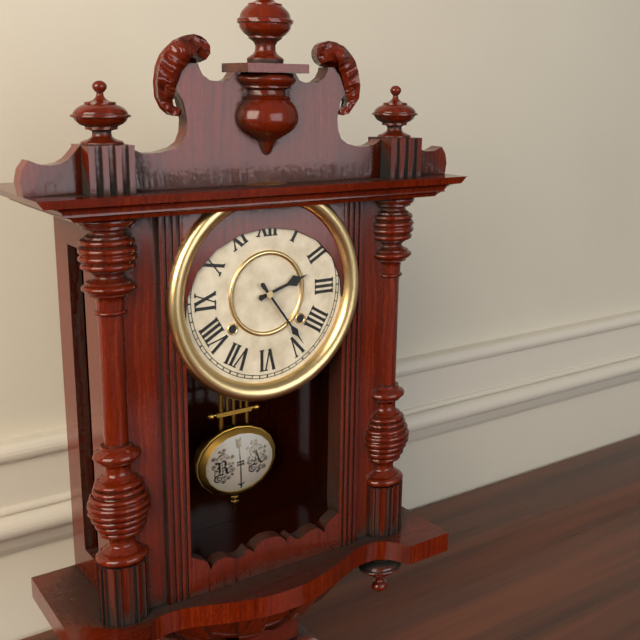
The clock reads 2,24
